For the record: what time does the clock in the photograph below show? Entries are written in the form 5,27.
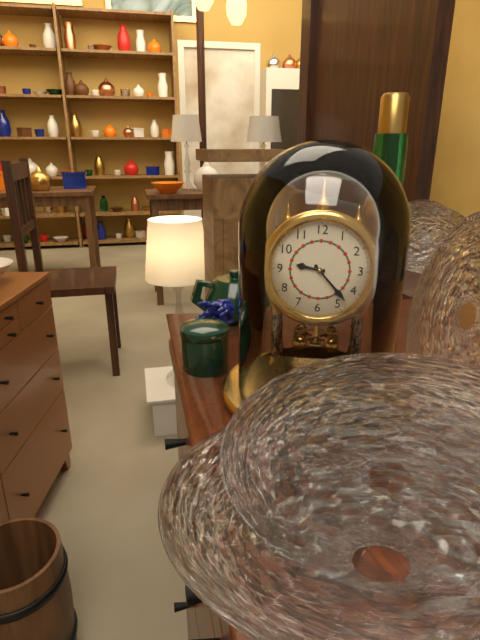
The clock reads 9,23
